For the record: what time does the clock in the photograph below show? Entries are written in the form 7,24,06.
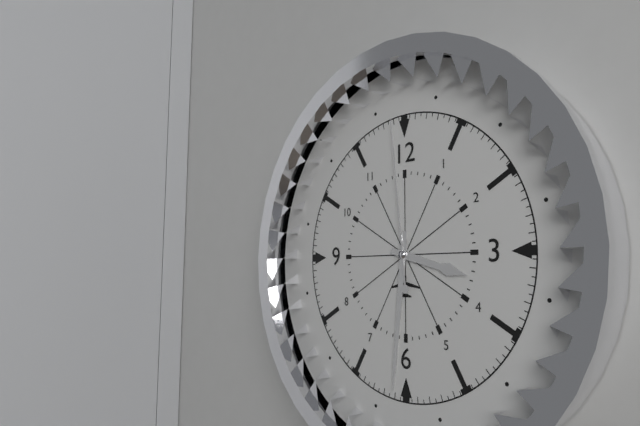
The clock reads 3,31,59
